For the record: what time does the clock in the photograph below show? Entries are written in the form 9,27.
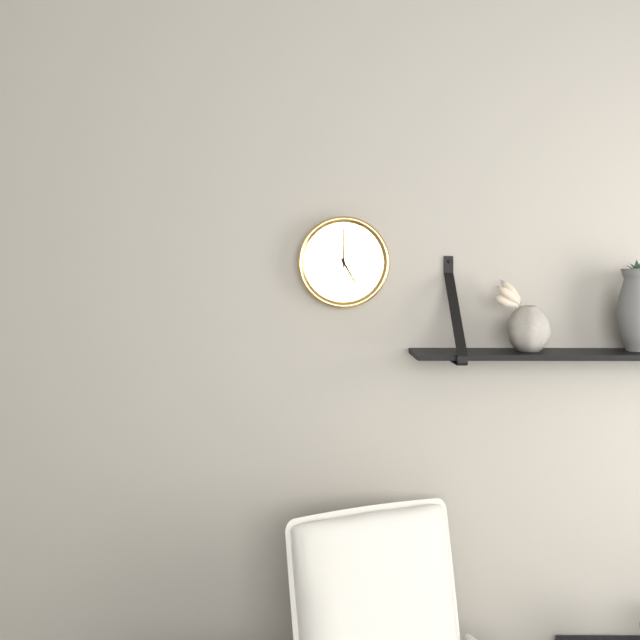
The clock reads 5,00
